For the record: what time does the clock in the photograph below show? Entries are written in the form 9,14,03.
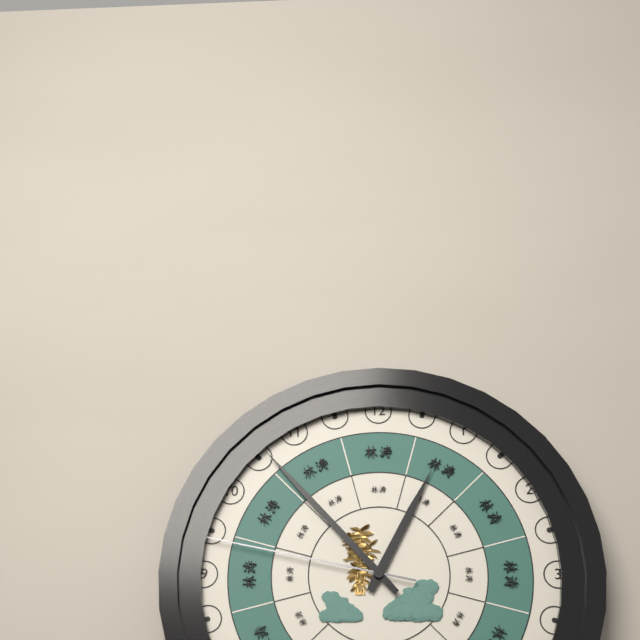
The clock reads 12,53,47
